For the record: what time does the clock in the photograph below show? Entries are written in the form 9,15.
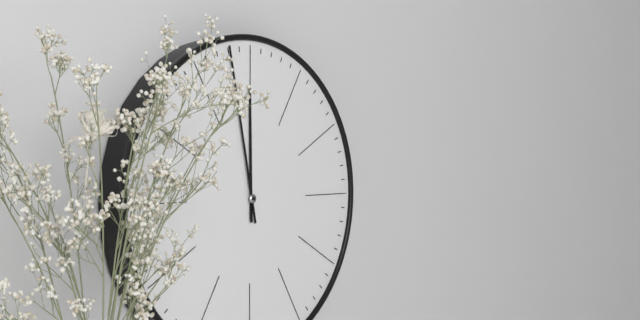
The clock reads 11,58
